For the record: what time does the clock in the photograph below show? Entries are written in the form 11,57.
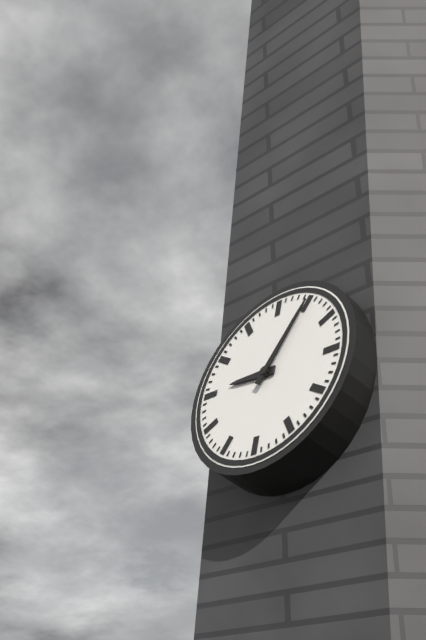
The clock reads 9,05
